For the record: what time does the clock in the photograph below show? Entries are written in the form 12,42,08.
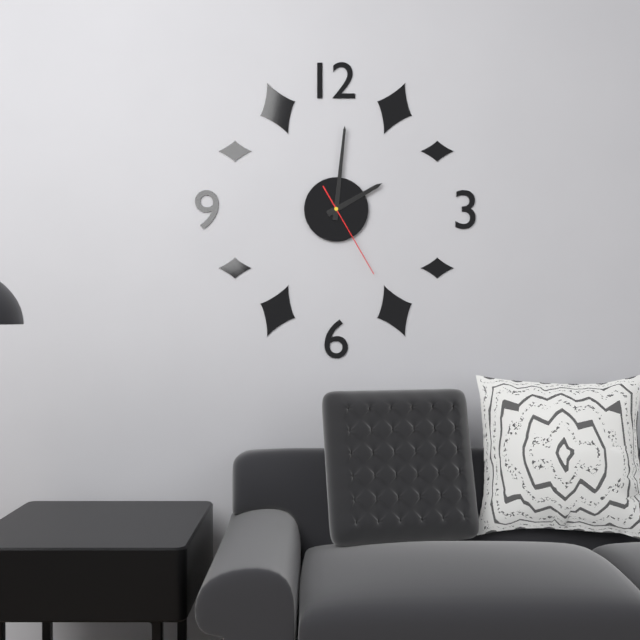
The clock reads 2,01,25
